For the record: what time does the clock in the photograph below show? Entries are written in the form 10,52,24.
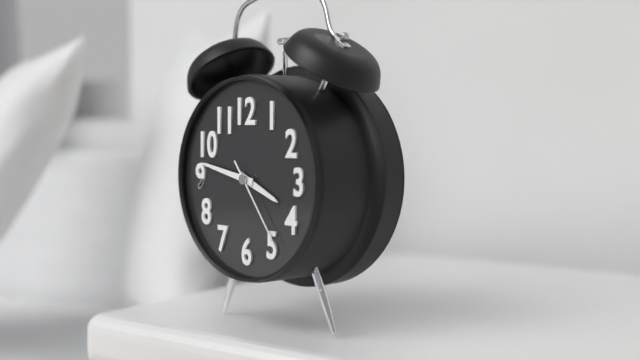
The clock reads 3,47,24
